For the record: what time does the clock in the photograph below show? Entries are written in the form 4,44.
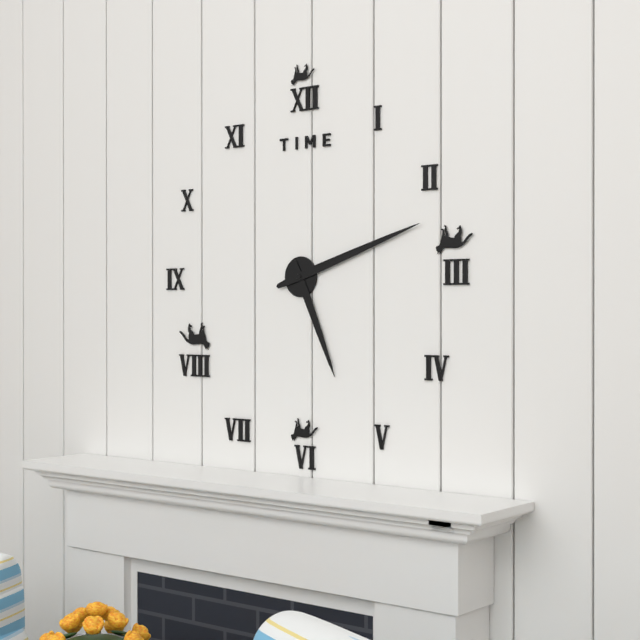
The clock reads 5,12
